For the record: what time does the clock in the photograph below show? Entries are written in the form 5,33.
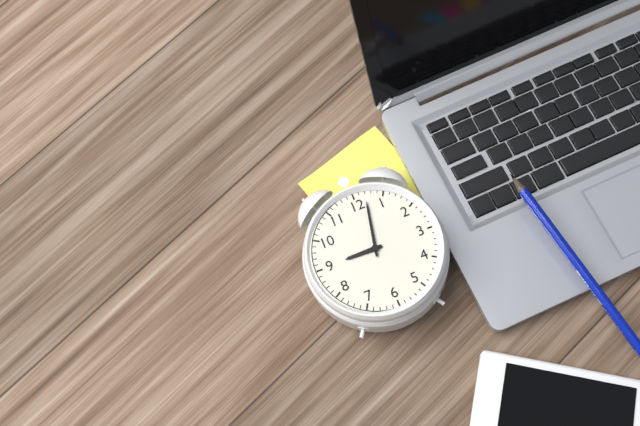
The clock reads 9,02
